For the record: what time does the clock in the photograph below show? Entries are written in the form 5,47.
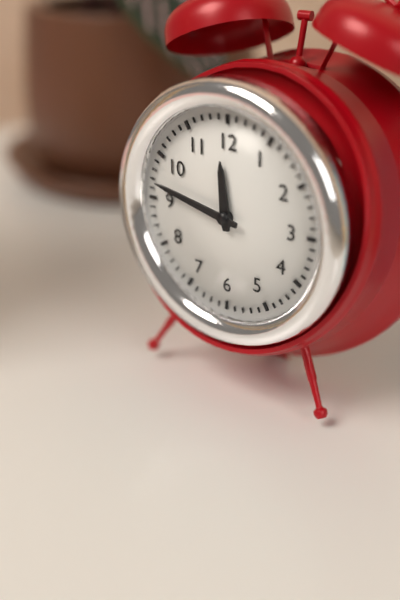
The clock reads 11,47
